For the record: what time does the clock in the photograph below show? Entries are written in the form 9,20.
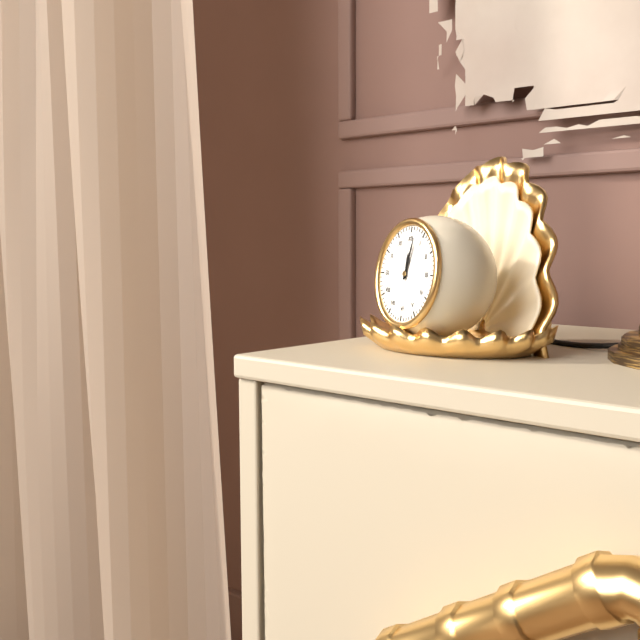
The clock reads 12,02
